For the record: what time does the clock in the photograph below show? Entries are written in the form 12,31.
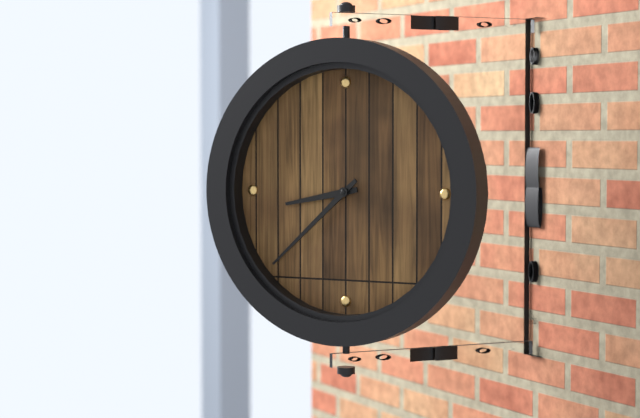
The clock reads 8,38
